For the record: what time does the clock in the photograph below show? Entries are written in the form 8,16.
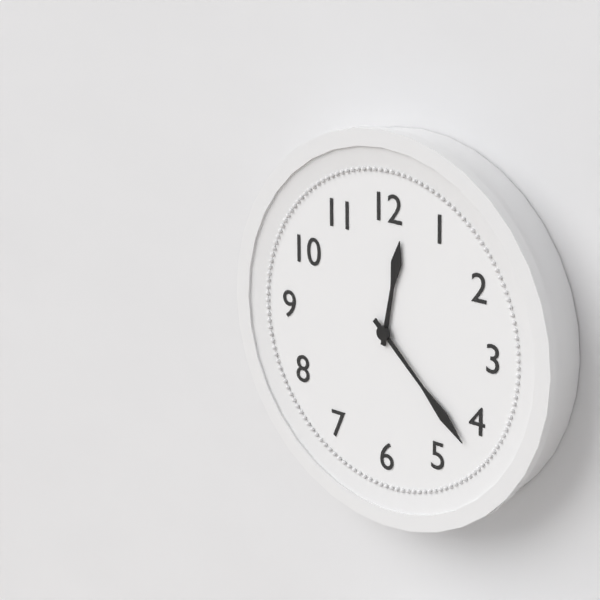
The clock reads 12,22
